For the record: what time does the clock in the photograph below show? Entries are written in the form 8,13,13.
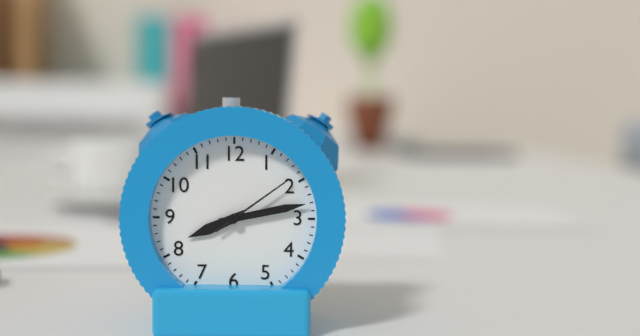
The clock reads 8,13,09
